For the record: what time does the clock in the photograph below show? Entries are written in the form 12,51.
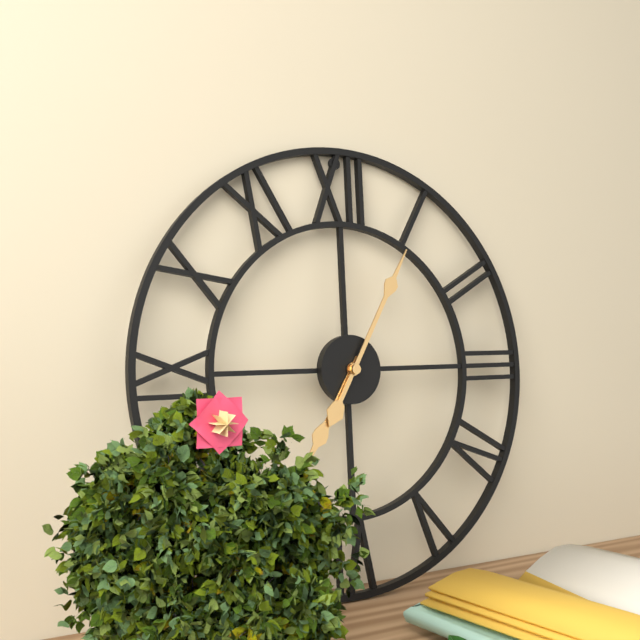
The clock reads 7,05
